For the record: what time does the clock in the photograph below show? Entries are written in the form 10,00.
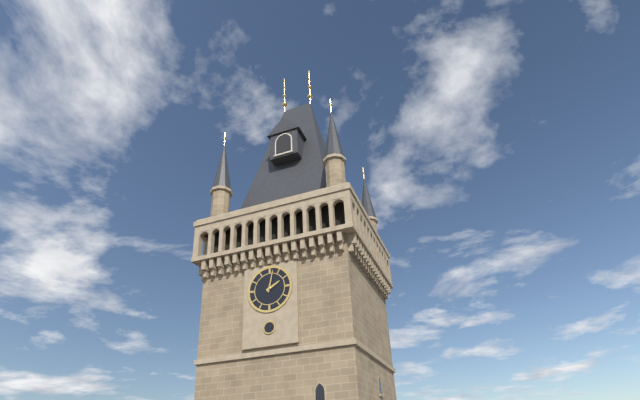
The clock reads 2,02
